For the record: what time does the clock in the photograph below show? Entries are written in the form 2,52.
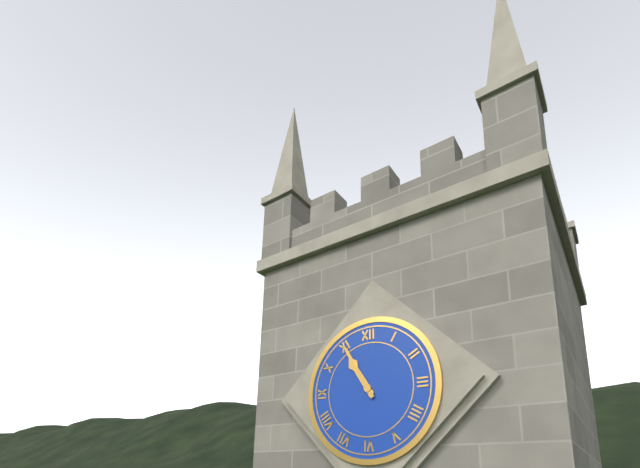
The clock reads 10,55
